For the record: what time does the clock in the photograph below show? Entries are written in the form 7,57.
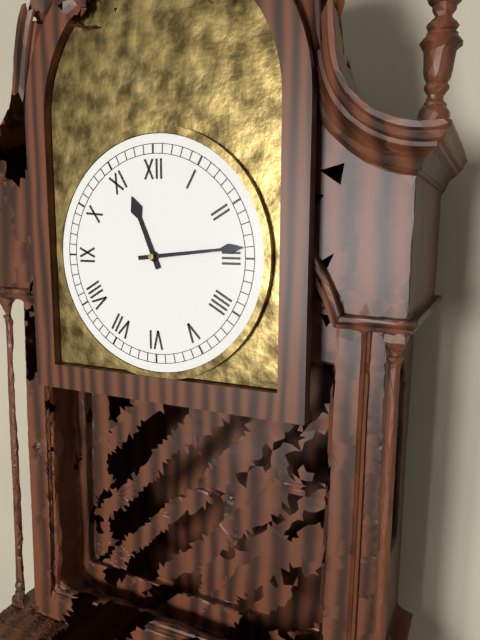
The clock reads 11,14
